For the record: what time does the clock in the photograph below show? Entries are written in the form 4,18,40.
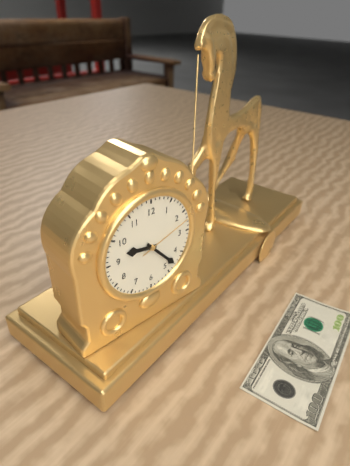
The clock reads 9,23,12
